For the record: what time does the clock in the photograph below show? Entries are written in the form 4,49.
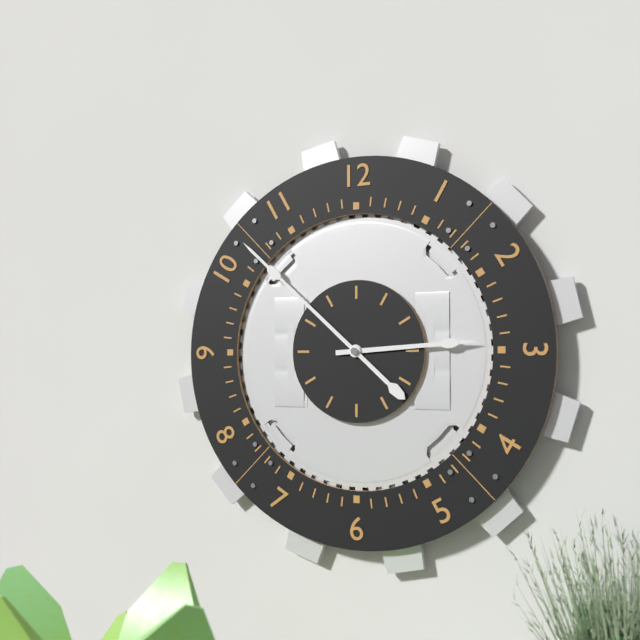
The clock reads 2,52
